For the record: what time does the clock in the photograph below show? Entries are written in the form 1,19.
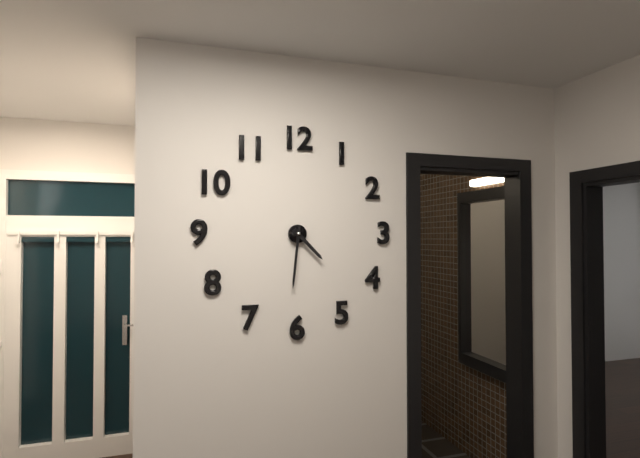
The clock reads 4,31
